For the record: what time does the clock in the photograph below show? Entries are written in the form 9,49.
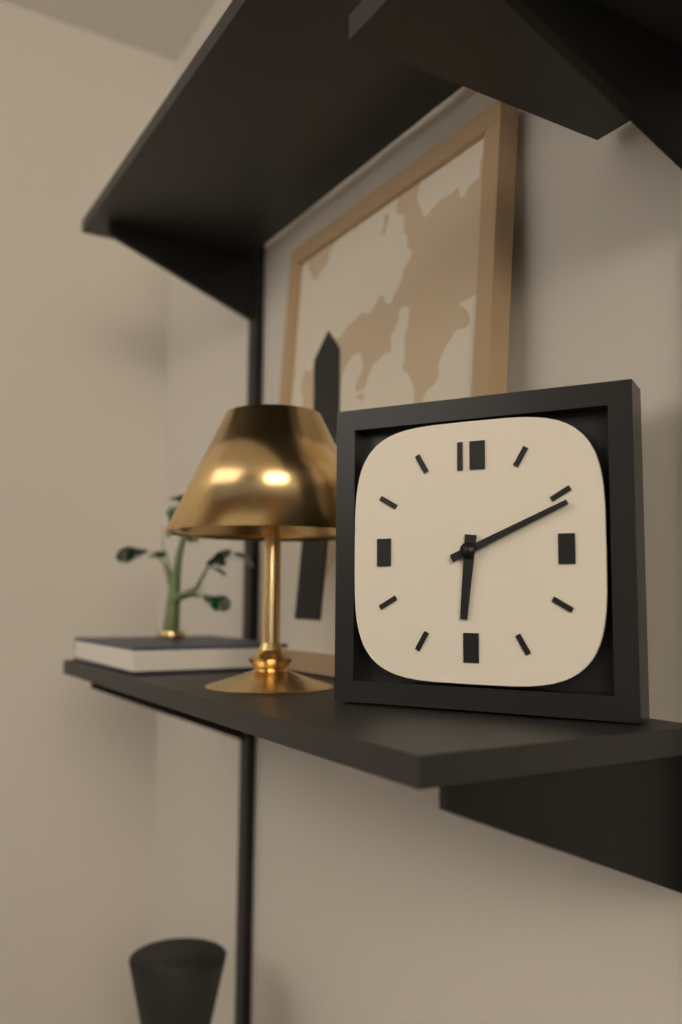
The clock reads 6,11
